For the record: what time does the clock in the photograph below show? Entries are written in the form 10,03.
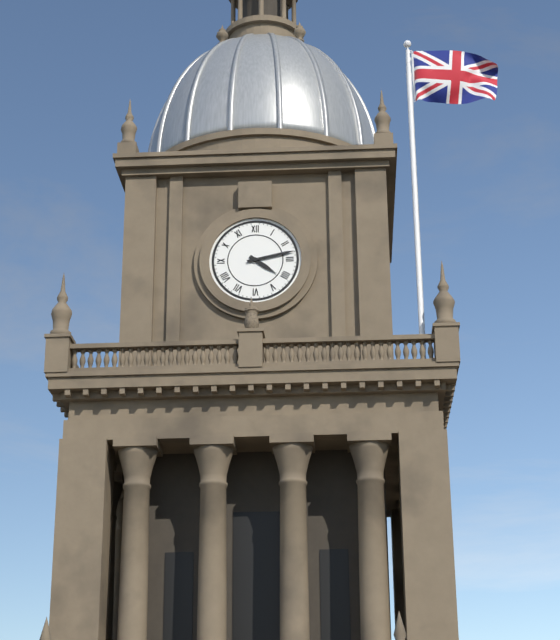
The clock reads 4,13
